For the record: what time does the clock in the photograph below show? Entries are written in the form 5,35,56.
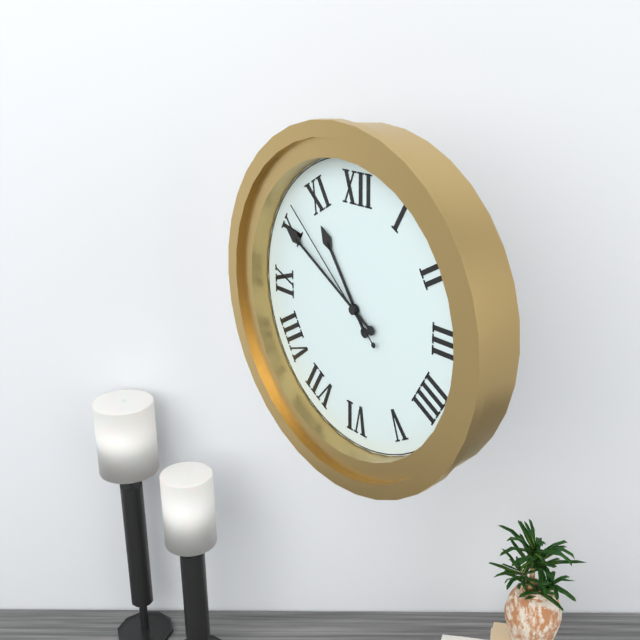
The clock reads 10,50,52
